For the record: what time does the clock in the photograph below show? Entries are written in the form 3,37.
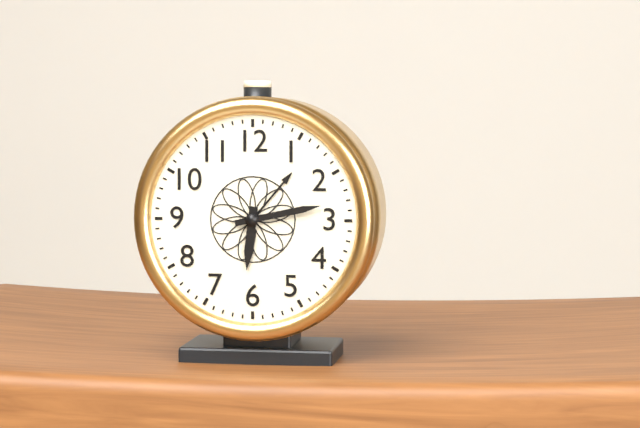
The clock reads 6,13
